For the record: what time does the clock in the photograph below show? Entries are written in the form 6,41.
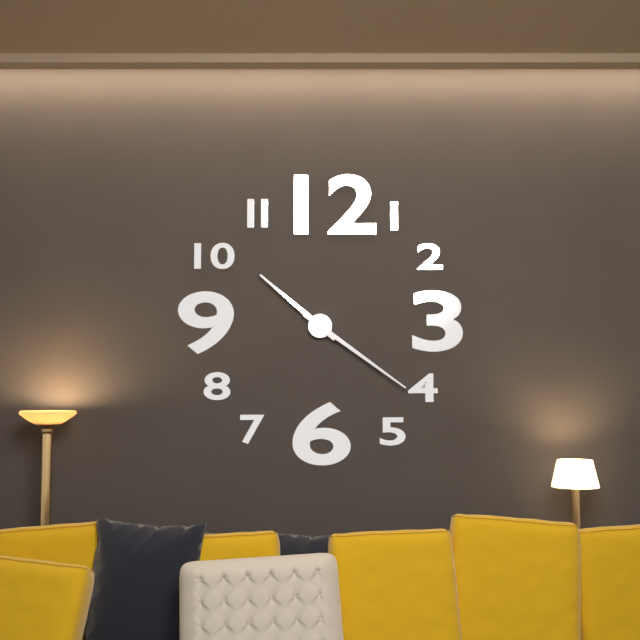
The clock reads 10,21
